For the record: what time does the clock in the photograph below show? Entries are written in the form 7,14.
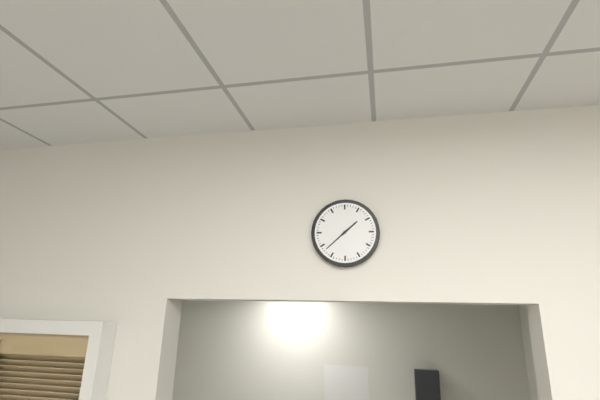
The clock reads 1,38
